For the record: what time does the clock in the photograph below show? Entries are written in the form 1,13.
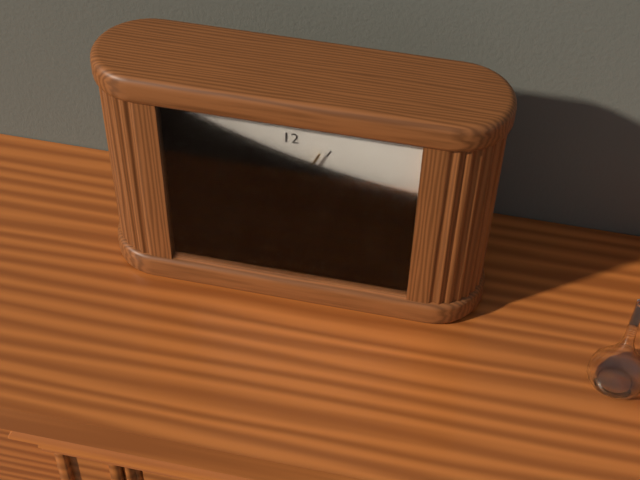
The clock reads 6,04
